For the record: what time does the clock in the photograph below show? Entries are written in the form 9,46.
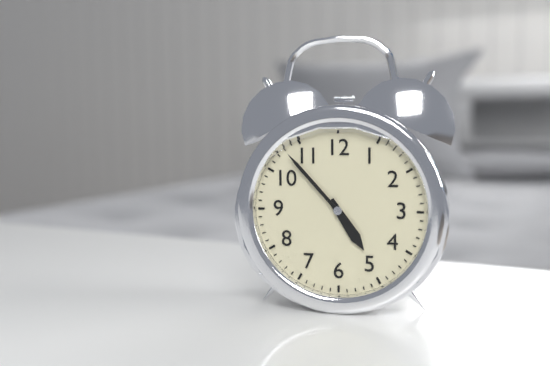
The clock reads 4,53
